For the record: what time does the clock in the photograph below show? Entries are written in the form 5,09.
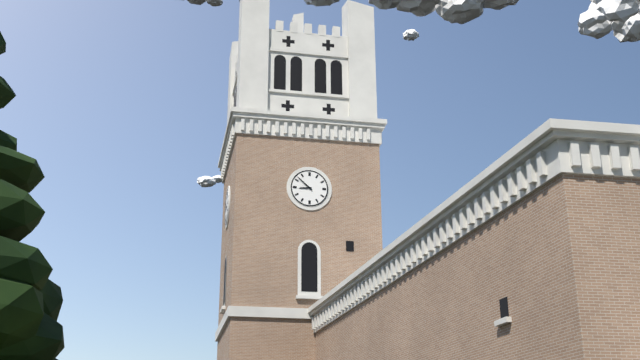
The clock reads 8,52
